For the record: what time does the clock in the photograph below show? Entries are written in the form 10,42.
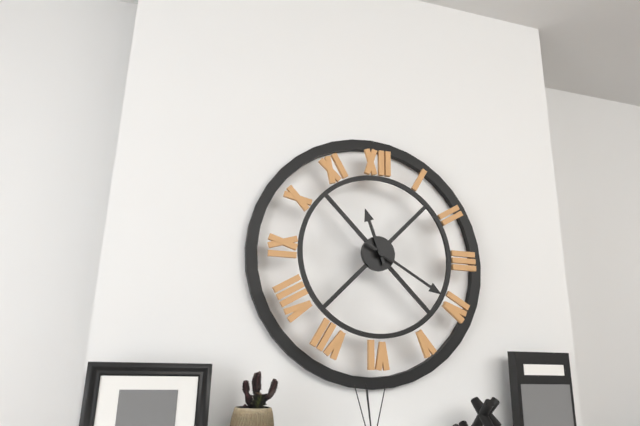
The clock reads 11,20
